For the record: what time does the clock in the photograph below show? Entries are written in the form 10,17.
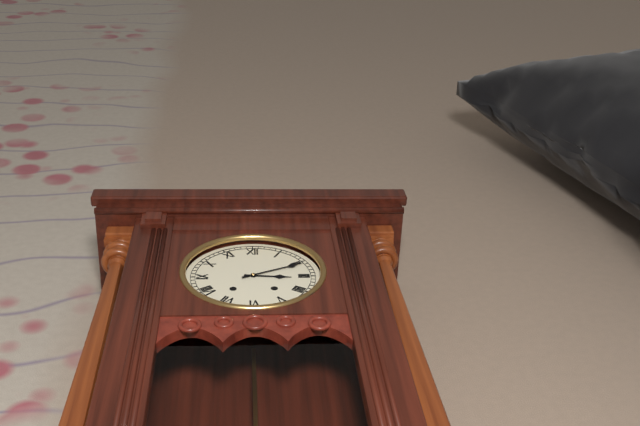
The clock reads 3,11
